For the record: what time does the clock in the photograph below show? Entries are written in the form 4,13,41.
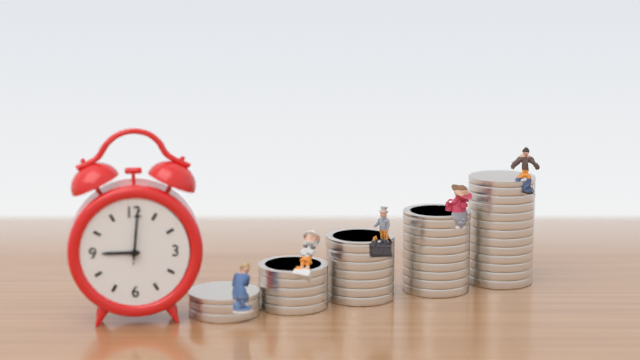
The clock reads 9,01,01
